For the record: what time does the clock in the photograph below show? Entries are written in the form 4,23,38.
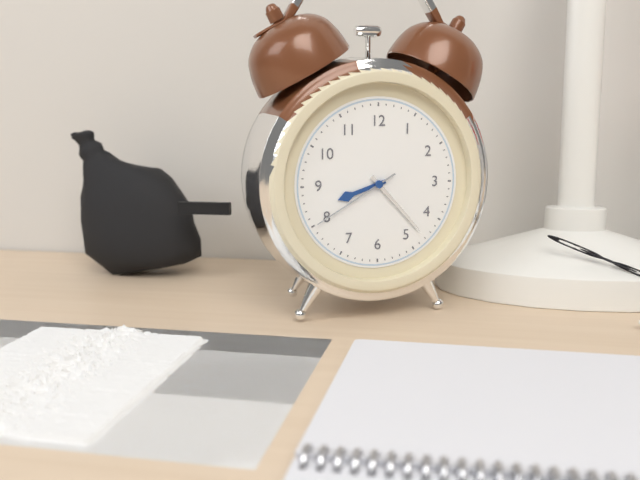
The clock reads 8,23,40
